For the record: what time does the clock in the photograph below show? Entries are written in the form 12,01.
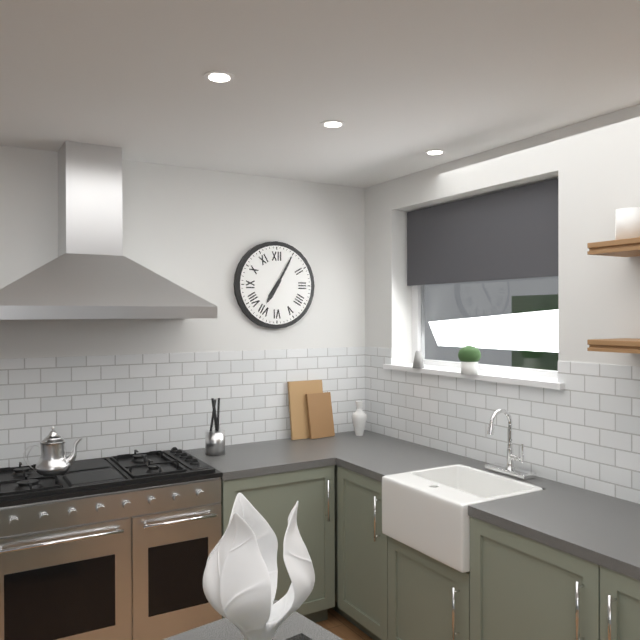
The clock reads 7,05
